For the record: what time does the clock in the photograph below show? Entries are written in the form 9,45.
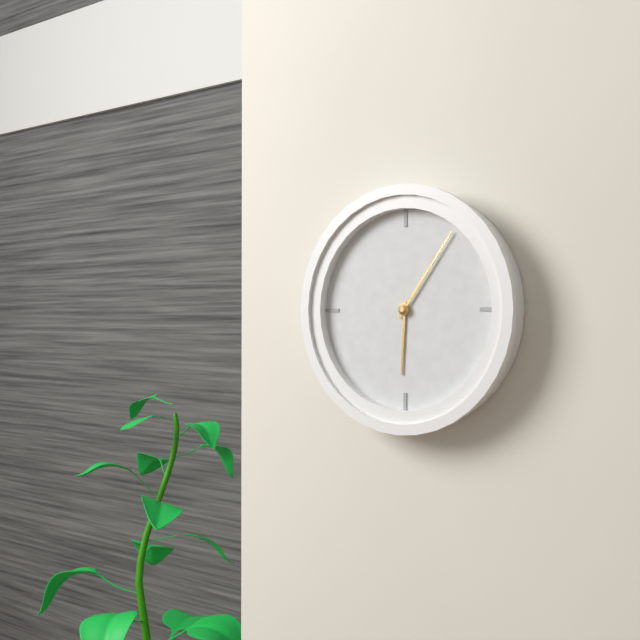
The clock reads 6,06
